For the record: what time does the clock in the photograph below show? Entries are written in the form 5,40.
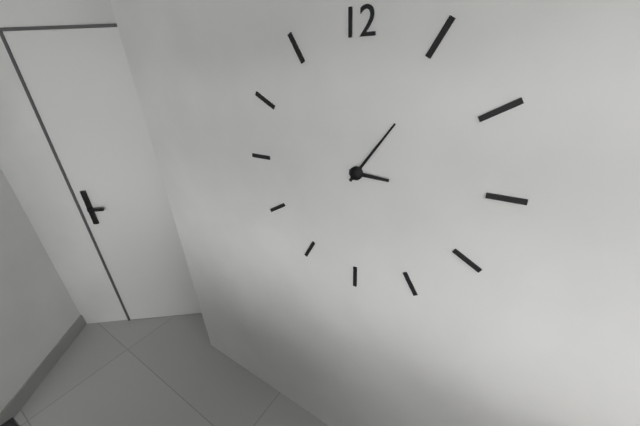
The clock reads 3,06
